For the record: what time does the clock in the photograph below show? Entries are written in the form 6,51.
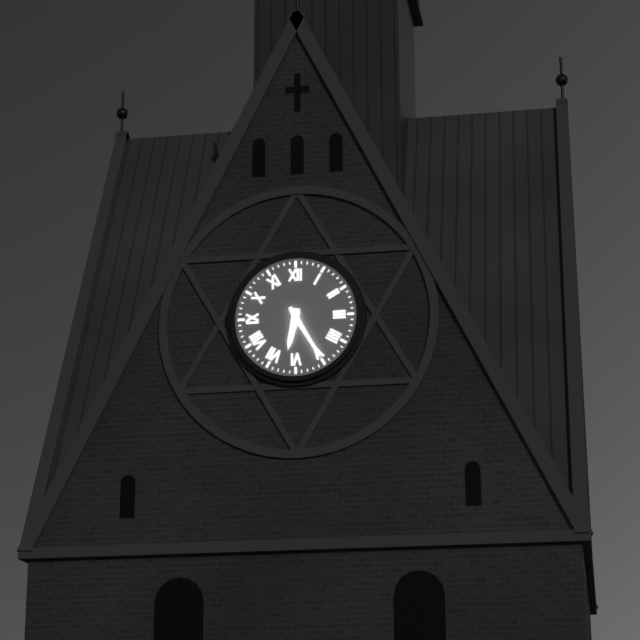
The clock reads 6,25
